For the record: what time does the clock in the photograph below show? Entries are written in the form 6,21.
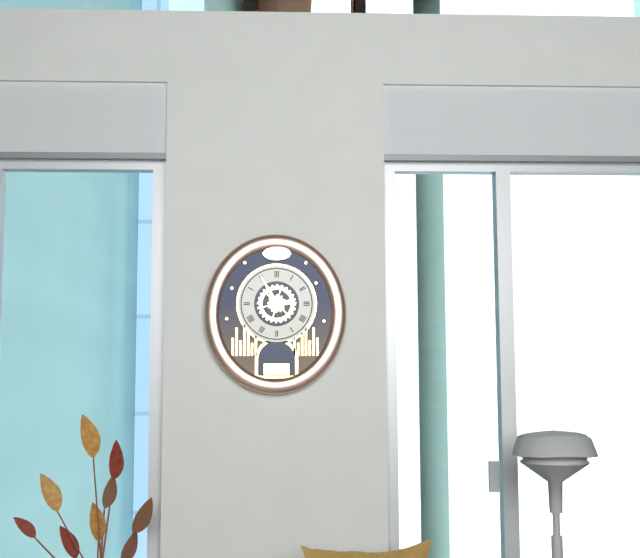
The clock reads 2,55
